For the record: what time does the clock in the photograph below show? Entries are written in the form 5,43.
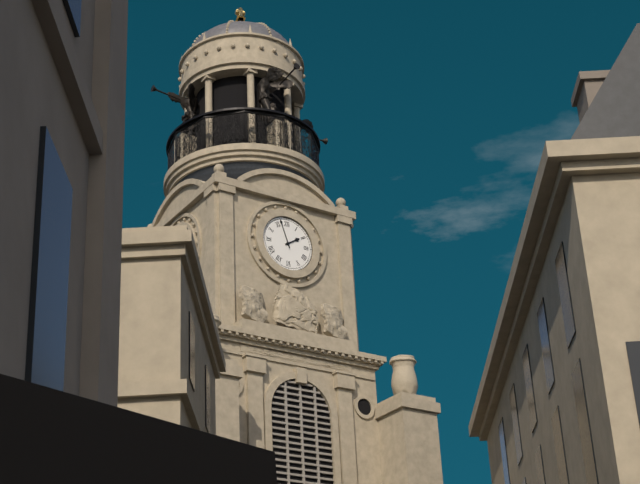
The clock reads 1,57
